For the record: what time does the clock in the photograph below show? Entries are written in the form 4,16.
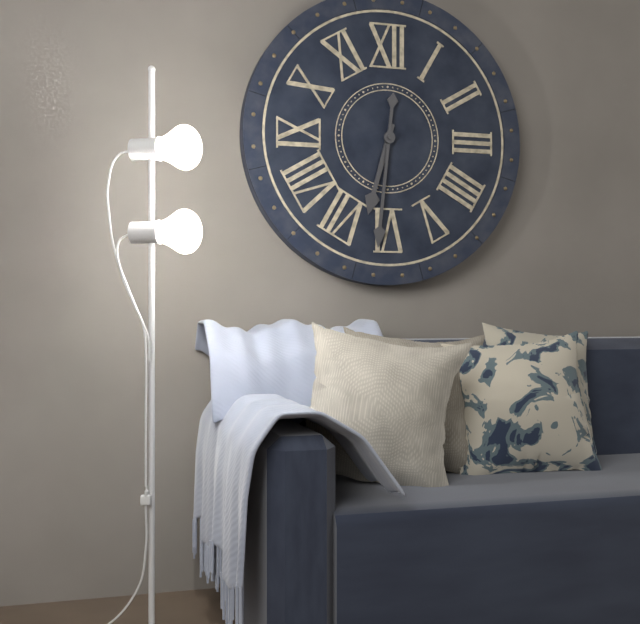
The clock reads 6,31
